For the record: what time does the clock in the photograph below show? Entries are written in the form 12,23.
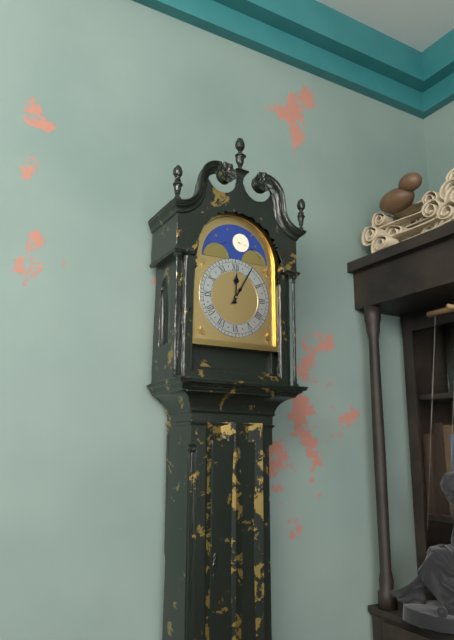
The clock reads 12,05
